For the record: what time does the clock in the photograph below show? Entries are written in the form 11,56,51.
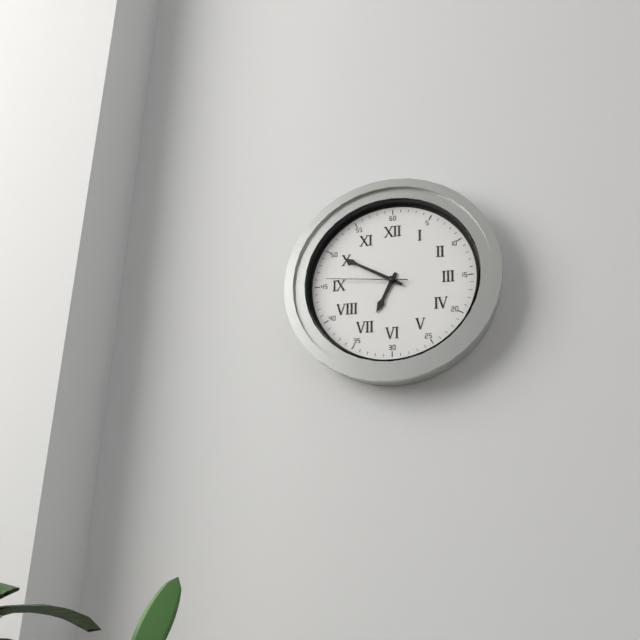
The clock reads 6,50,46
